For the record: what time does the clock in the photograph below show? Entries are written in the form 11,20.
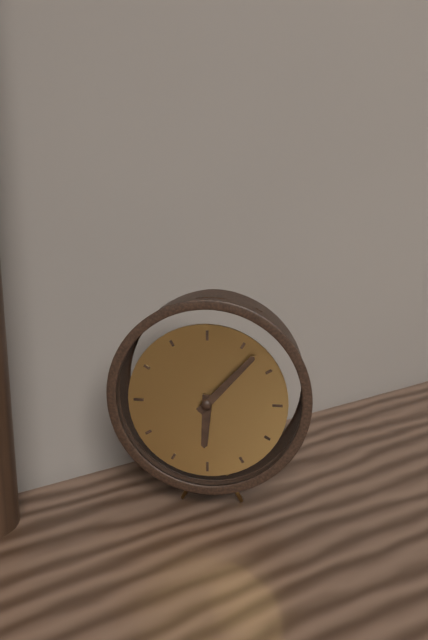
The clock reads 6,07
